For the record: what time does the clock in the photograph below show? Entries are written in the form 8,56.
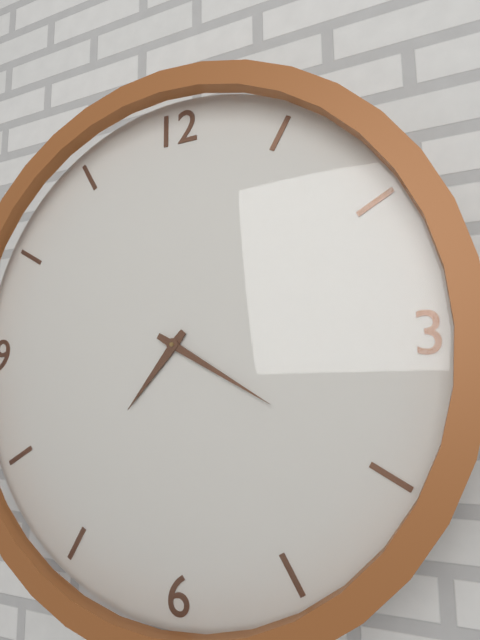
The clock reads 7,20
